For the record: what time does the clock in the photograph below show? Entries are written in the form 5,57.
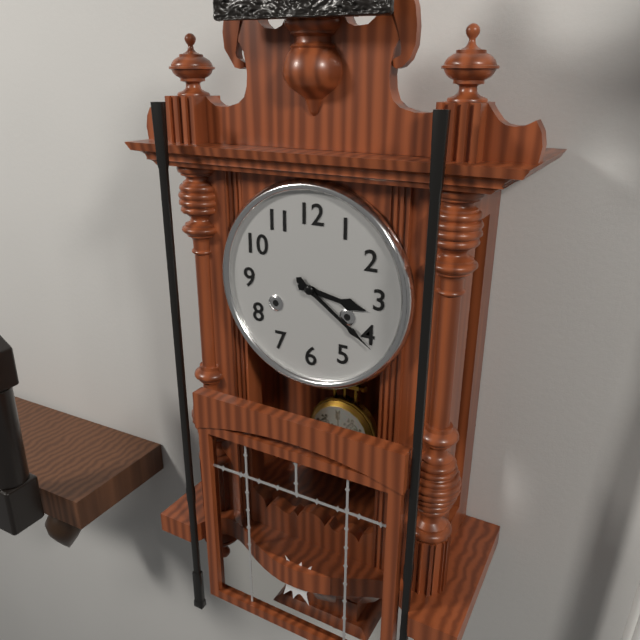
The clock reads 3,21
